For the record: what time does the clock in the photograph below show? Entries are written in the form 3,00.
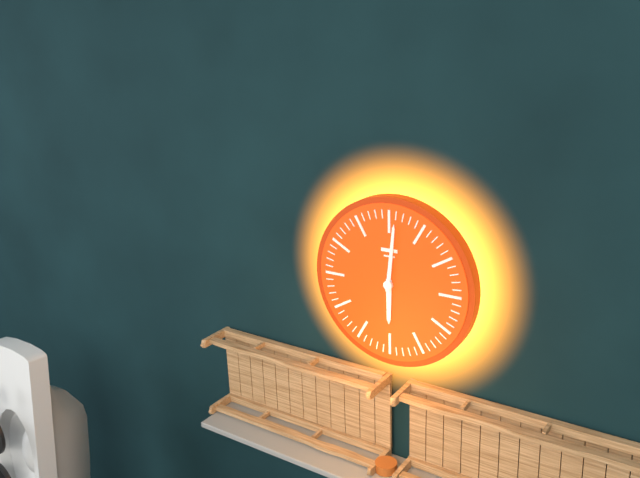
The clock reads 6,01
